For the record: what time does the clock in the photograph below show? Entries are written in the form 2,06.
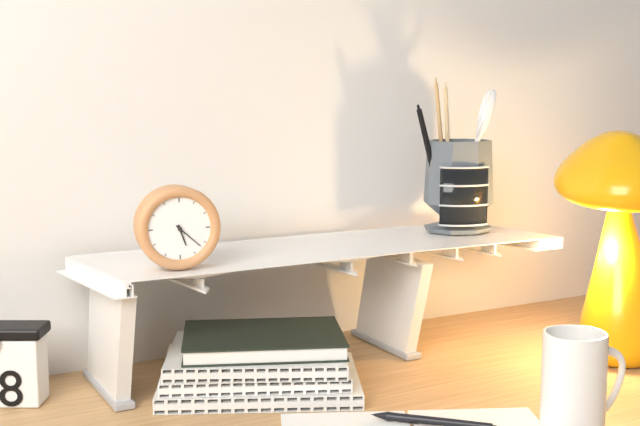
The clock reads 5,22
